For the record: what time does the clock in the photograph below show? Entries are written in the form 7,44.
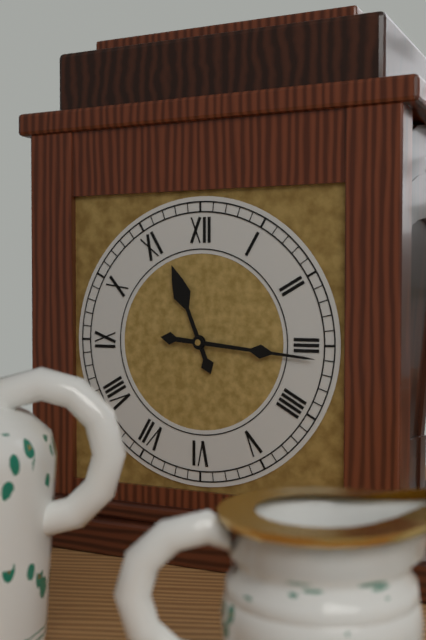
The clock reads 11,16
